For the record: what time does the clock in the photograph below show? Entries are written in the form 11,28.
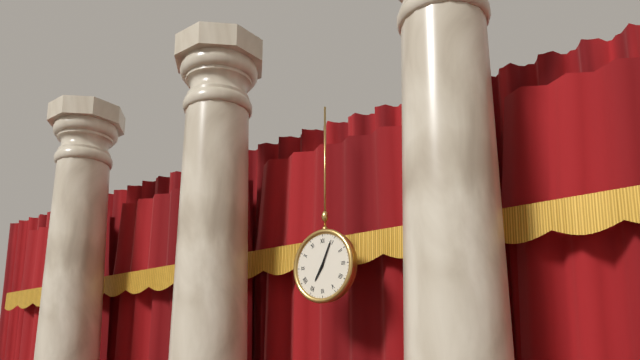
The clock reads 7,04
